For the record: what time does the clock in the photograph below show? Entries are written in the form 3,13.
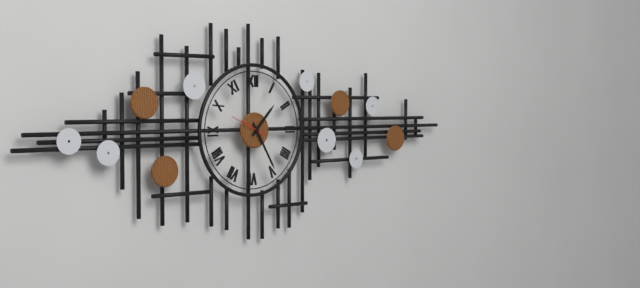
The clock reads 1,25
